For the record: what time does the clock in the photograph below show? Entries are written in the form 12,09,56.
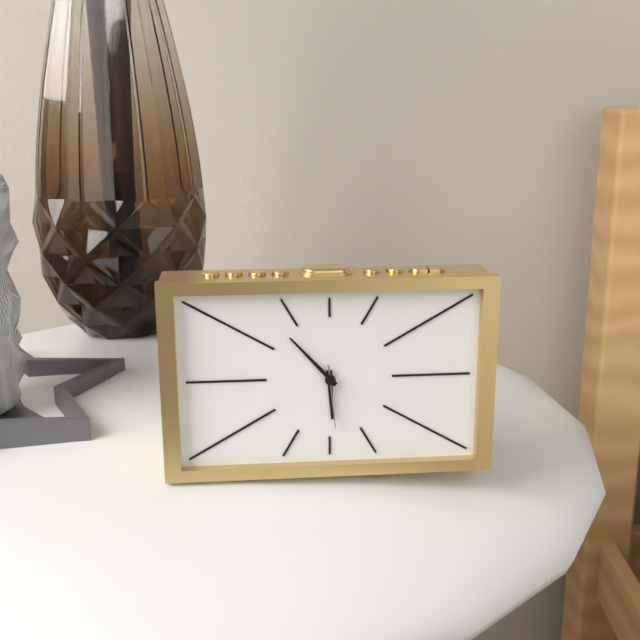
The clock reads 5,53,29
